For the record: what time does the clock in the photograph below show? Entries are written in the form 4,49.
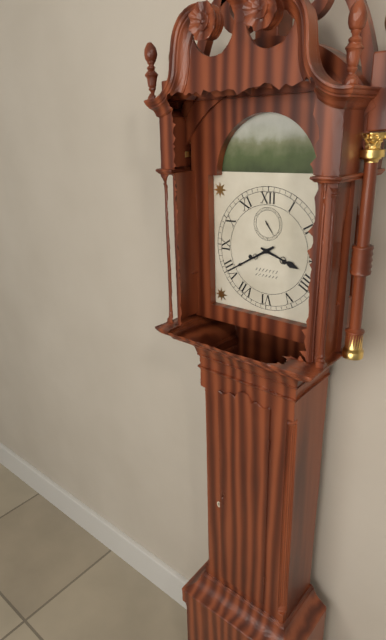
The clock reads 3,40
